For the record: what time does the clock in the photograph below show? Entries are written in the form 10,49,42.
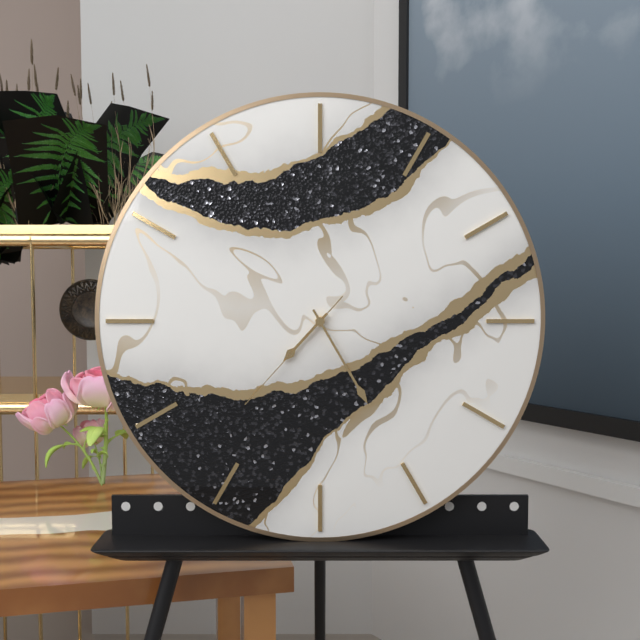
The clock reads 7,25,37
